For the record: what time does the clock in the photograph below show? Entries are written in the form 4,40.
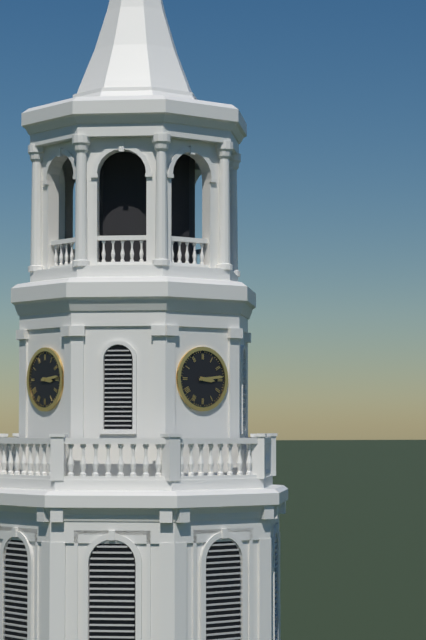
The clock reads 3,14
